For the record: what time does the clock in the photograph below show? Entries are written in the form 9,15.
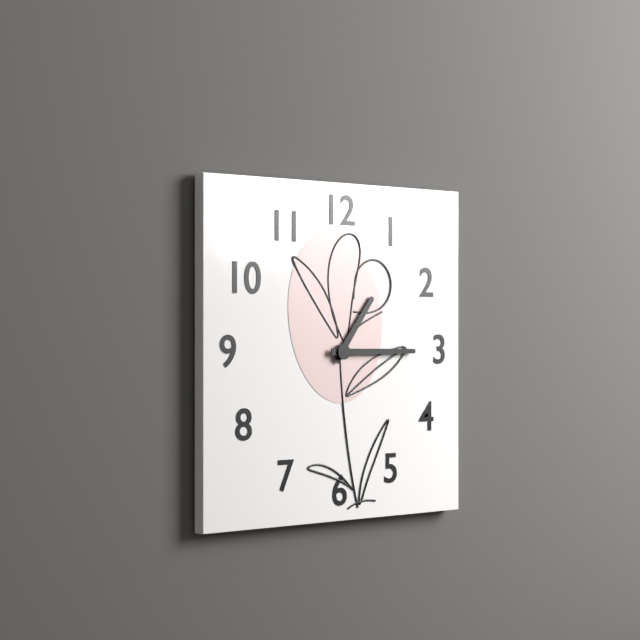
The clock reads 1,15
